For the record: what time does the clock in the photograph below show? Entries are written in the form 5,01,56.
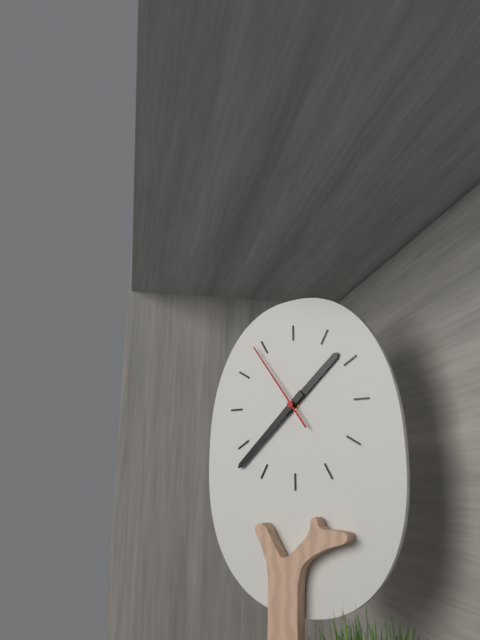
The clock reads 1,38,54
